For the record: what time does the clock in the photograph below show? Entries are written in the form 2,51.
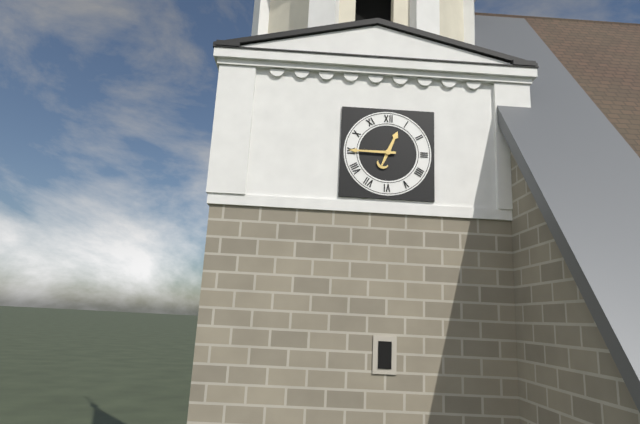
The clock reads 12,45
